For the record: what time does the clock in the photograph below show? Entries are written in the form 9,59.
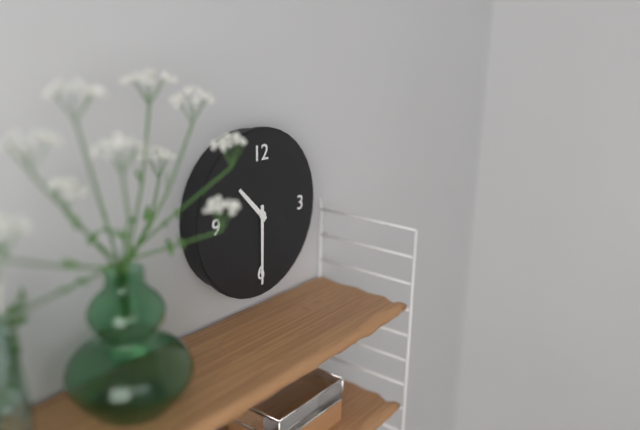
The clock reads 10,30
